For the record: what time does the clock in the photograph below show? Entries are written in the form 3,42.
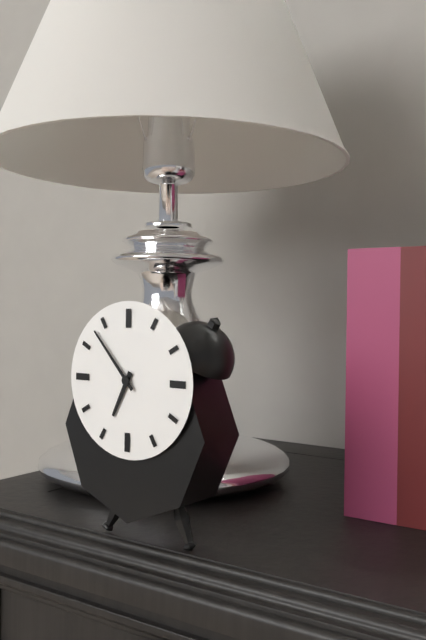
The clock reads 6,53
